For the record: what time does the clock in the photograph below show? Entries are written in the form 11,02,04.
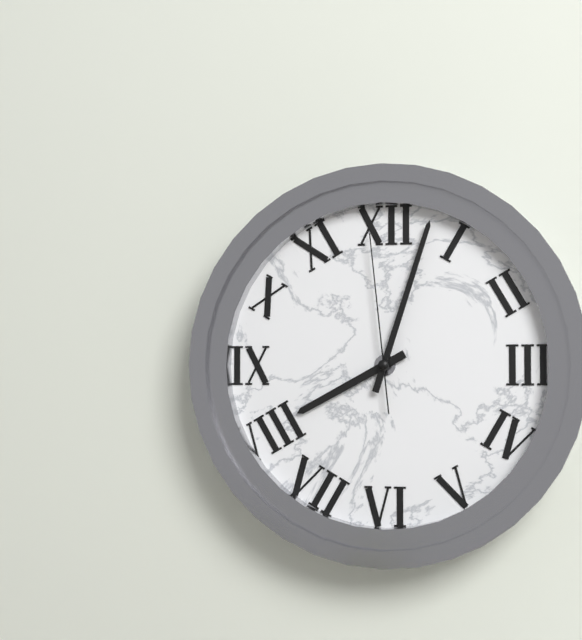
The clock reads 8,03,59
